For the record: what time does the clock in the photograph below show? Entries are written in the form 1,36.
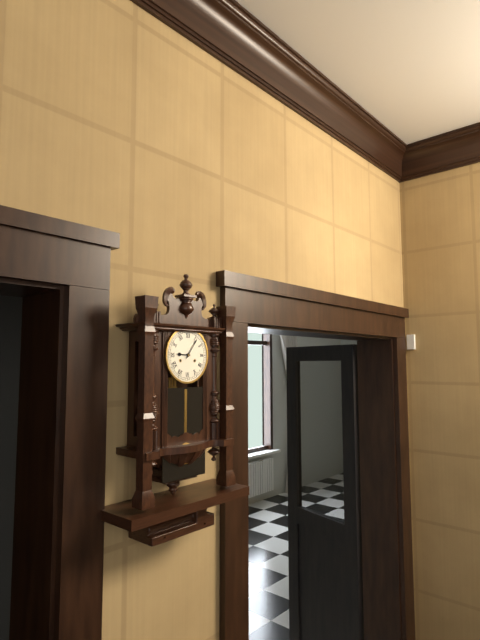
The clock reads 9,06
